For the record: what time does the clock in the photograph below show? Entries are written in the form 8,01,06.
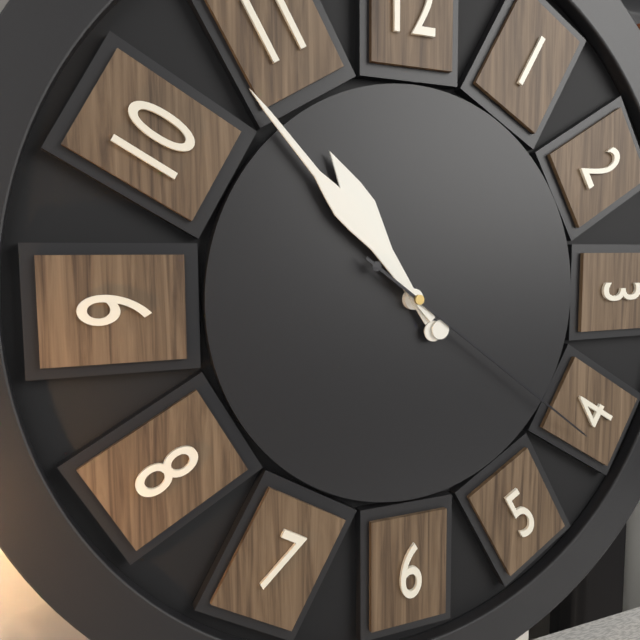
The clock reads 10,53,21
